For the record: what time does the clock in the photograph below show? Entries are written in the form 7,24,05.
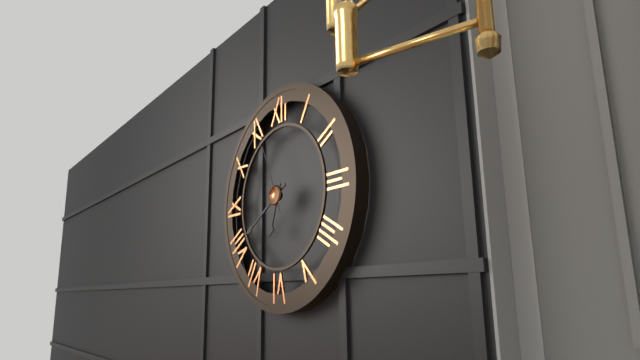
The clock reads 6,40,56
